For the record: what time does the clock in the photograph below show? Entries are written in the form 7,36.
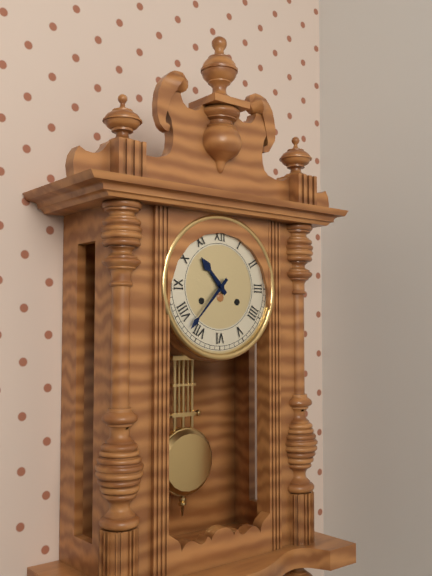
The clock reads 10,37
